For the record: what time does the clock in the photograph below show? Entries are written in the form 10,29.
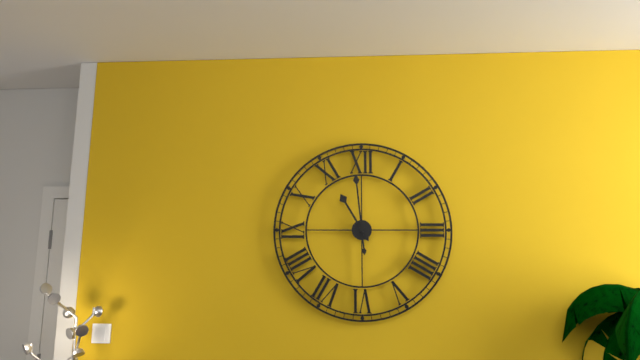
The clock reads 10,59
